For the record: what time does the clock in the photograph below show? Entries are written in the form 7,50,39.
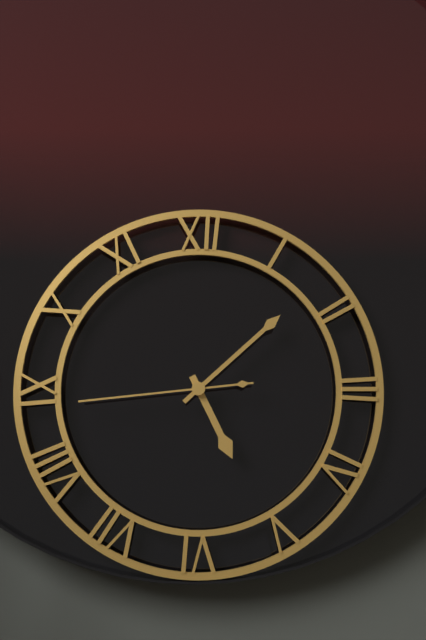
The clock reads 5,08,44
